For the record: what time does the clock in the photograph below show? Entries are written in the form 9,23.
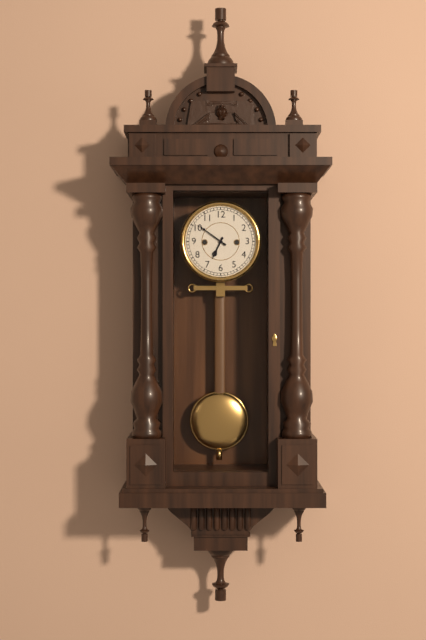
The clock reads 6,51
